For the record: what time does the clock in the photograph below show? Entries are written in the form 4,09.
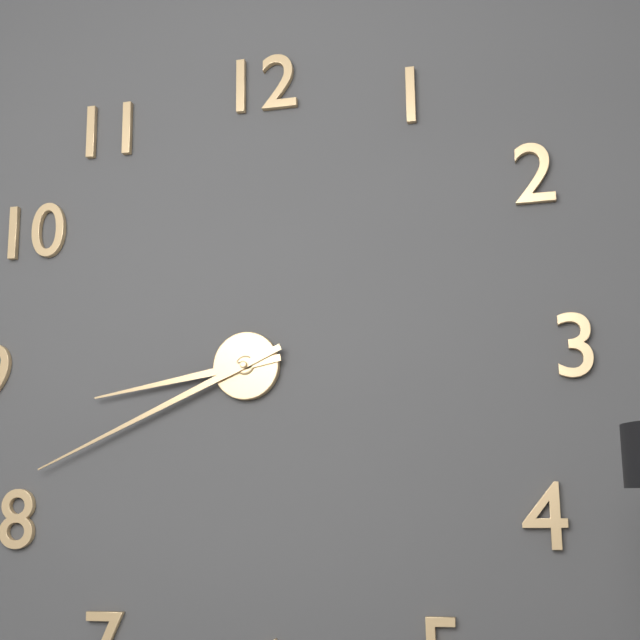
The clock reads 8,41
